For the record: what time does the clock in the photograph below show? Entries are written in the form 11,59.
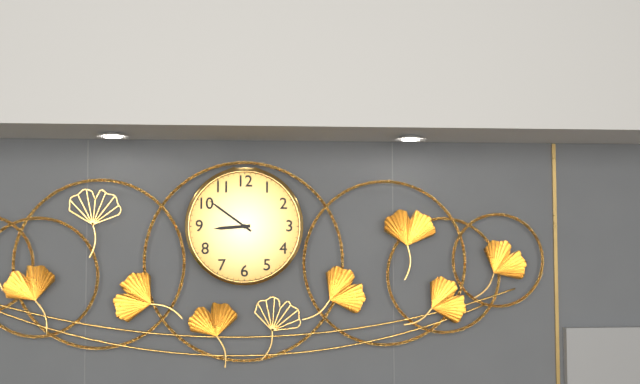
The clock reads 8,51
